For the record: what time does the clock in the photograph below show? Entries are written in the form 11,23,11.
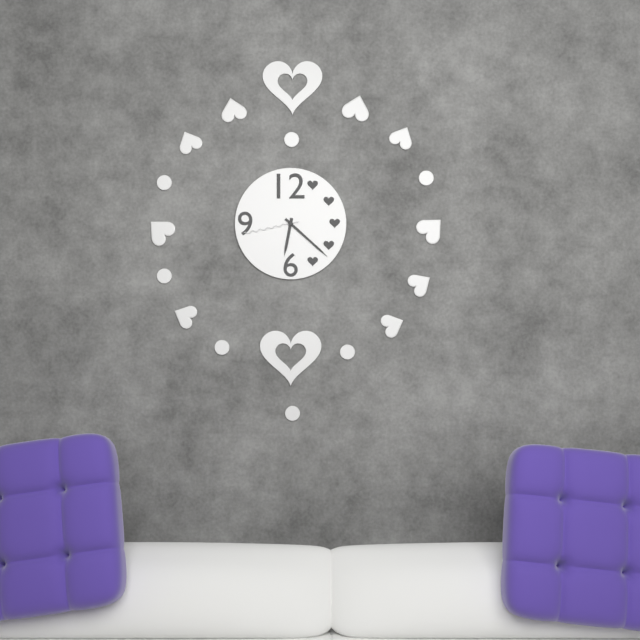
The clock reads 6,22,43
